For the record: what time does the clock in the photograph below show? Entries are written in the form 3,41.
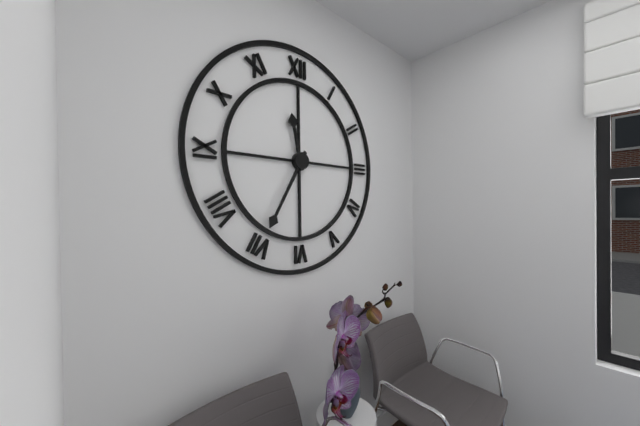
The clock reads 11,35
